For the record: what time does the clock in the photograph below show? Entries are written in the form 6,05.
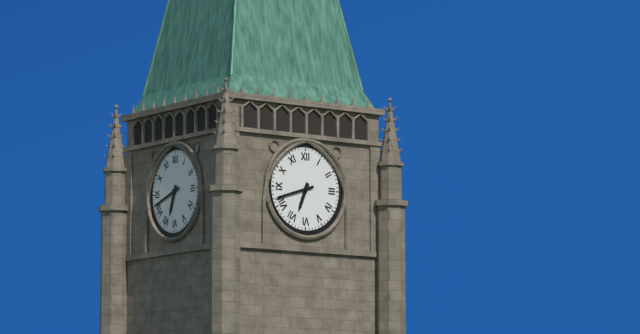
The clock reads 6,42
